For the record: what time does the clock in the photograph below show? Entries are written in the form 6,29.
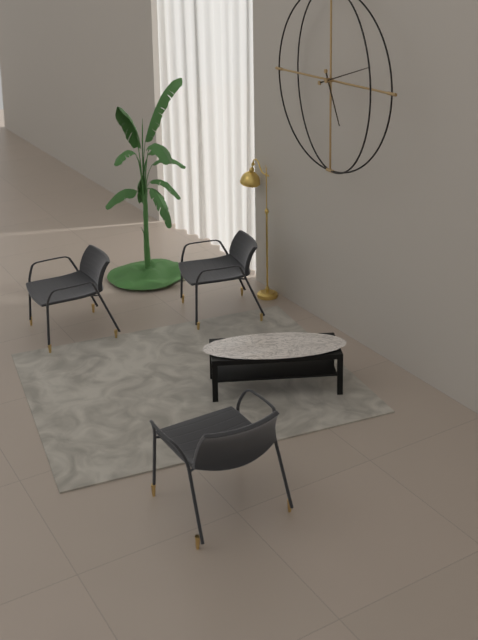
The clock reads 5,12
